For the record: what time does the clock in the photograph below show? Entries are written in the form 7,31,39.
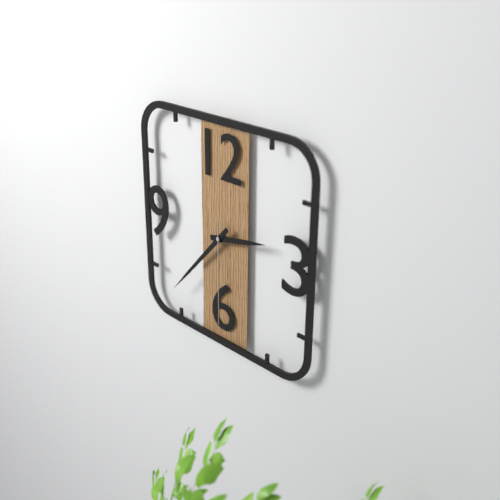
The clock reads 2,37,30
